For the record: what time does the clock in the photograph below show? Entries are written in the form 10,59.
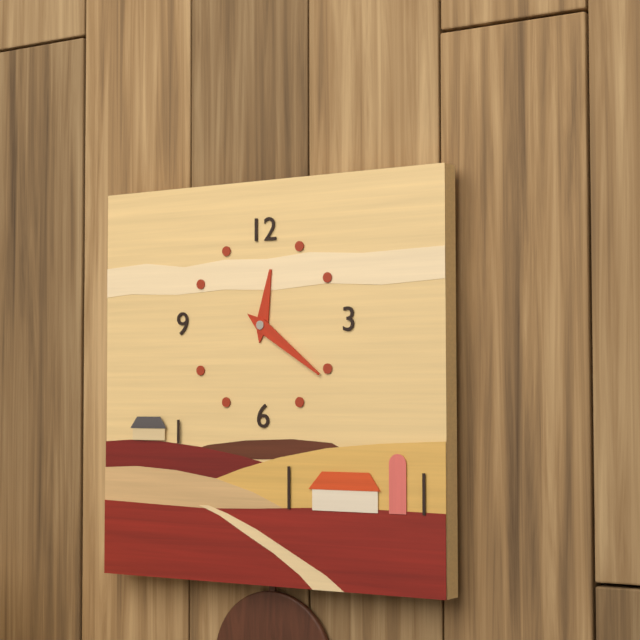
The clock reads 12,21
